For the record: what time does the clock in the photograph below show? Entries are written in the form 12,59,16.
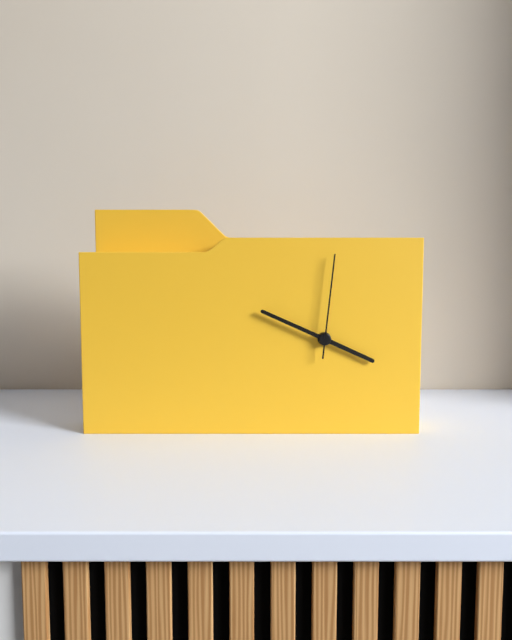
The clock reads 3,49,01
